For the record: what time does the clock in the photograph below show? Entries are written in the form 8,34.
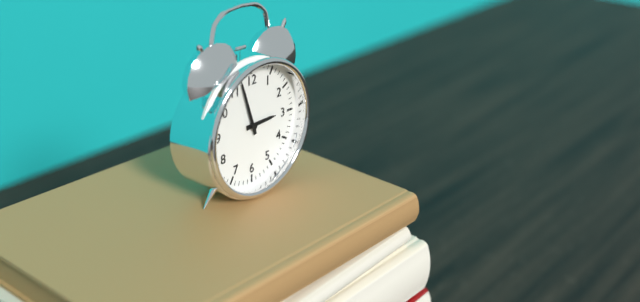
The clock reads 2,57
